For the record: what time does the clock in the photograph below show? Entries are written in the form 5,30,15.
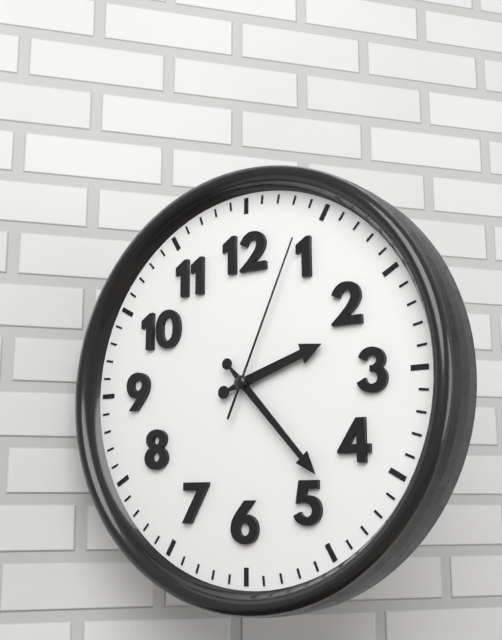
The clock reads 2,23,04
